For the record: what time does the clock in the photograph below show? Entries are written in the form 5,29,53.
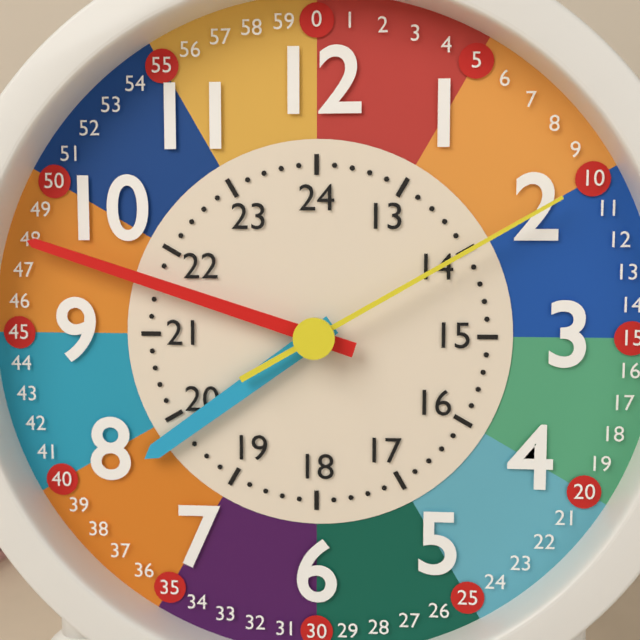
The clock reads 7,48,10
